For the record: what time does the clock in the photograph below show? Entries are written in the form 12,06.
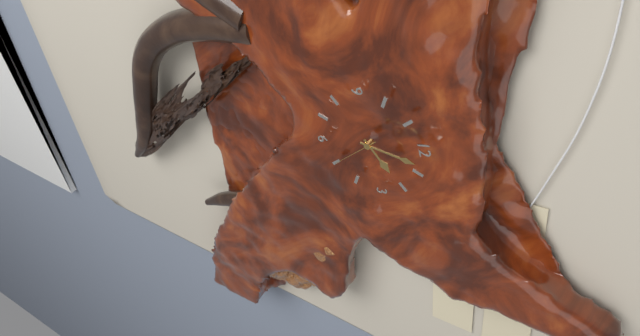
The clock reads 2,03
